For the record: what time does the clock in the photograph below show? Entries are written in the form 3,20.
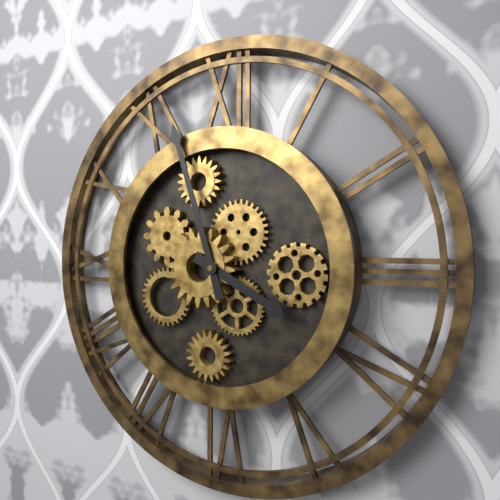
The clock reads 3,57
